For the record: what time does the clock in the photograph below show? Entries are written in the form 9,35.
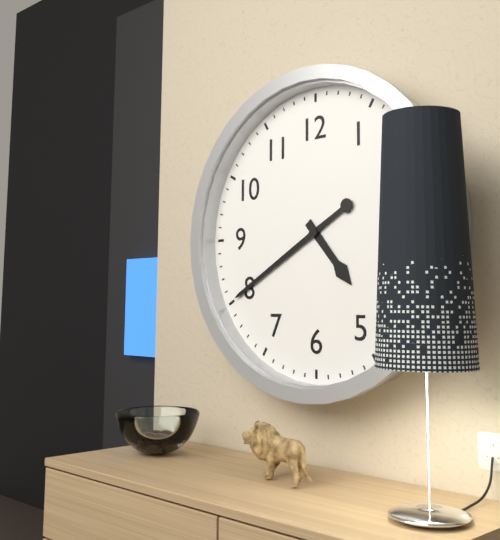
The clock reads 4,40
